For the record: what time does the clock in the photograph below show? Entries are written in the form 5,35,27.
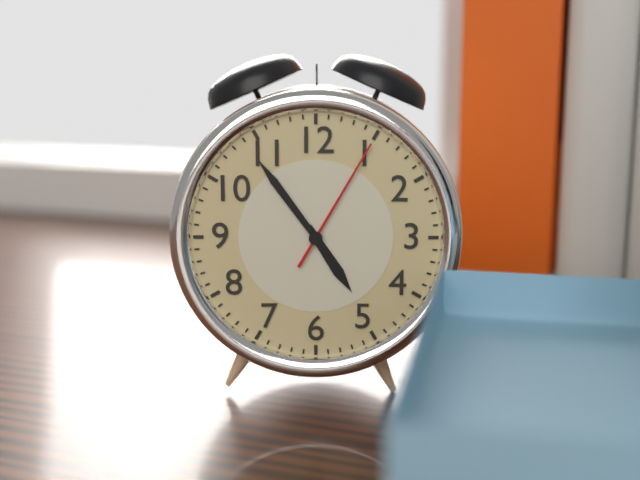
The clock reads 4,54,05
